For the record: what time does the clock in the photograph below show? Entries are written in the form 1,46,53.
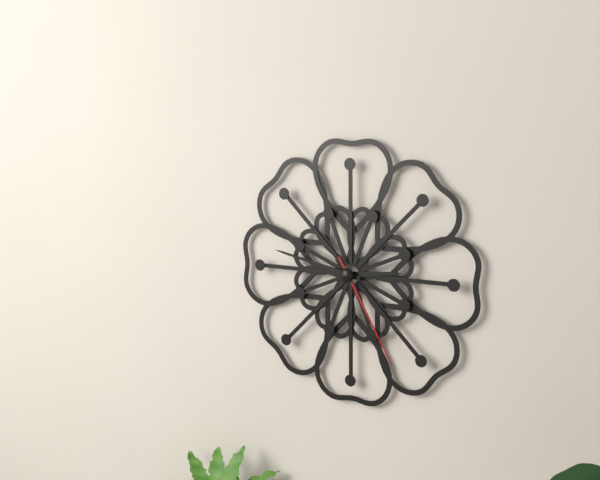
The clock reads 2,47,25
